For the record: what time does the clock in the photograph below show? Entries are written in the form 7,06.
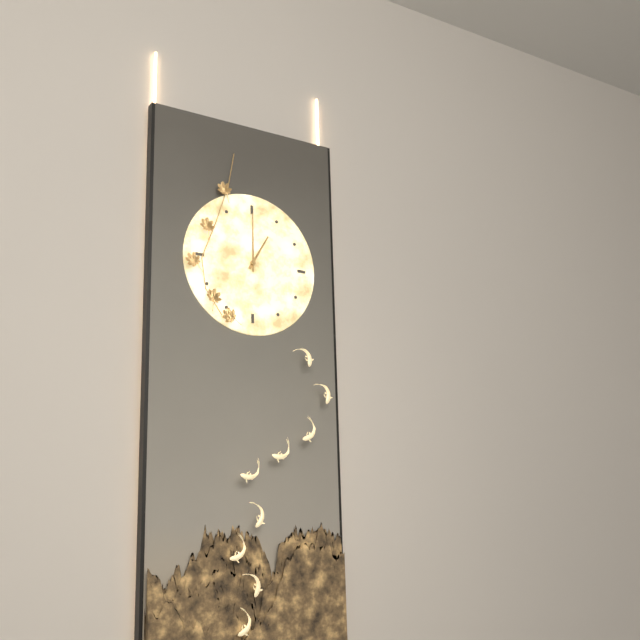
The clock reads 1,00
